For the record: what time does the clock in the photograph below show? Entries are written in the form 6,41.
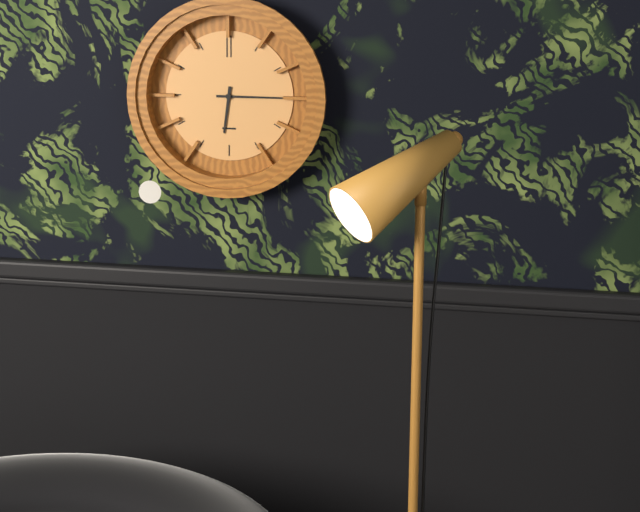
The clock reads 6,15
